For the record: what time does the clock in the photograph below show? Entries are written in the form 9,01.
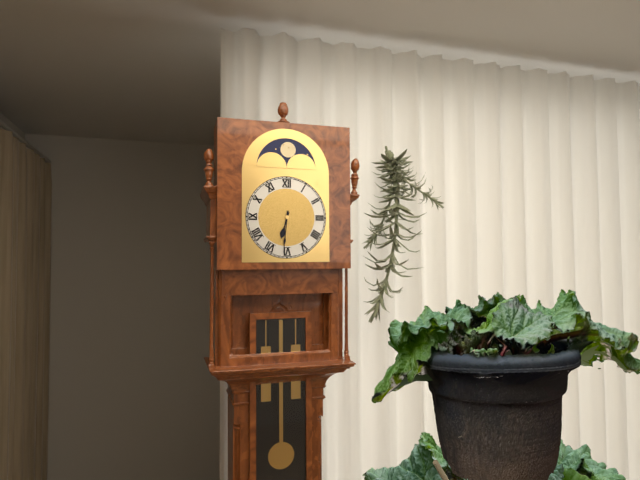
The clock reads 6,31
